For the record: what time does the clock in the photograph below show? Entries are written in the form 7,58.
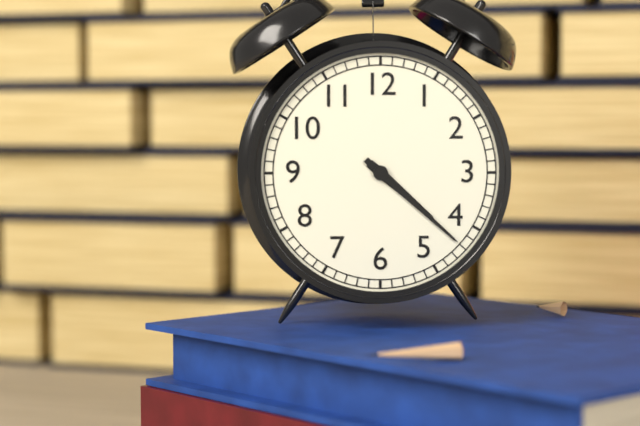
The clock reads 4,22
